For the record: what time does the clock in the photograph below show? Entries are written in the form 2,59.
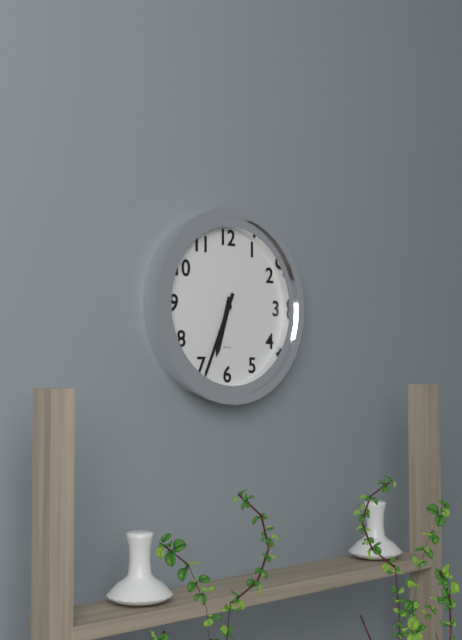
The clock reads 6,34
